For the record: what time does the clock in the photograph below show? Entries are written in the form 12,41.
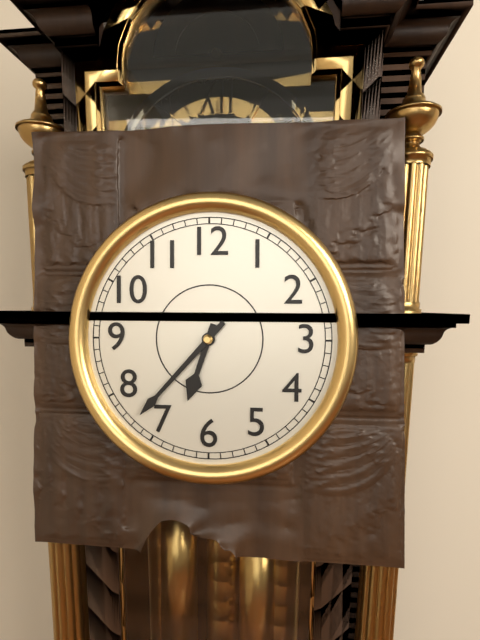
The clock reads 6,37
